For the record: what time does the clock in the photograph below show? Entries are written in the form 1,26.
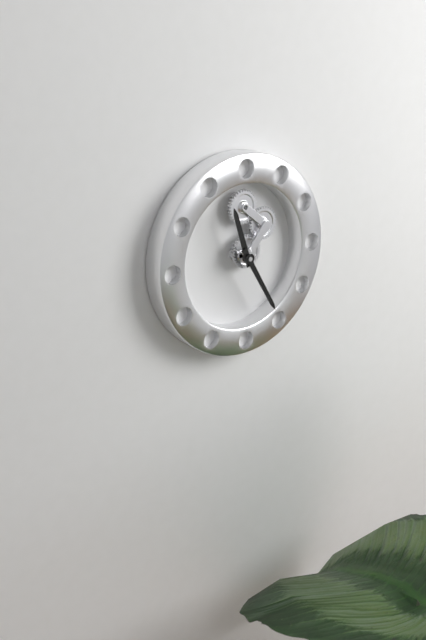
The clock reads 11,25
